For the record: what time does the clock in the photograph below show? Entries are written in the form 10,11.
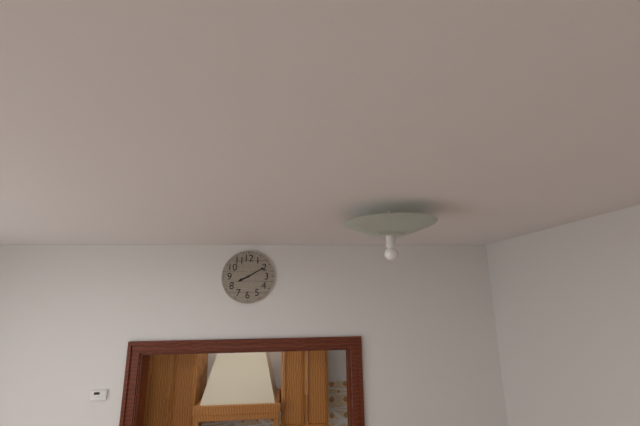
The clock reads 8,10
